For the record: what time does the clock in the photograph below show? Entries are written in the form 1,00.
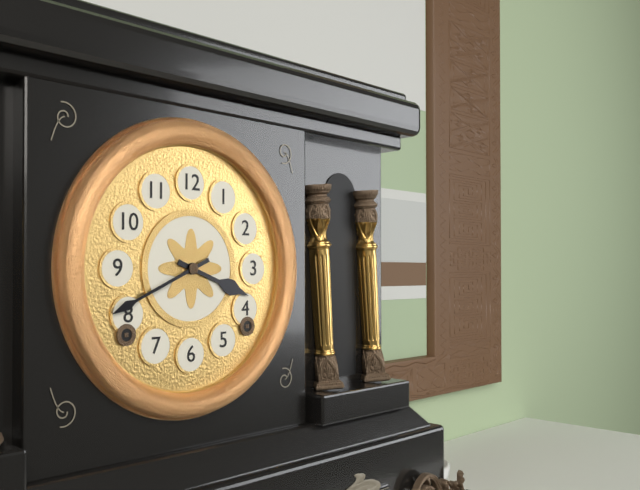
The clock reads 3,41
